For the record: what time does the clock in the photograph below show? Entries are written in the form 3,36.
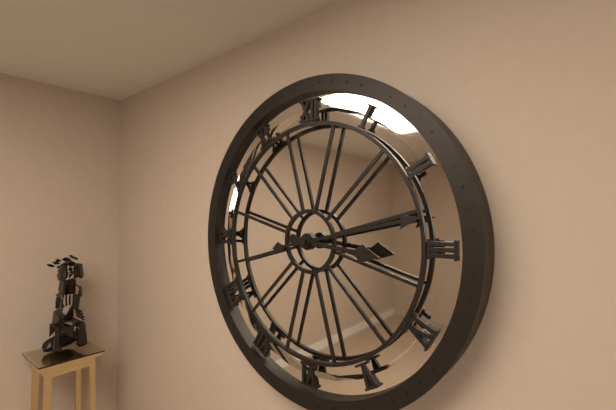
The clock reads 3,13
